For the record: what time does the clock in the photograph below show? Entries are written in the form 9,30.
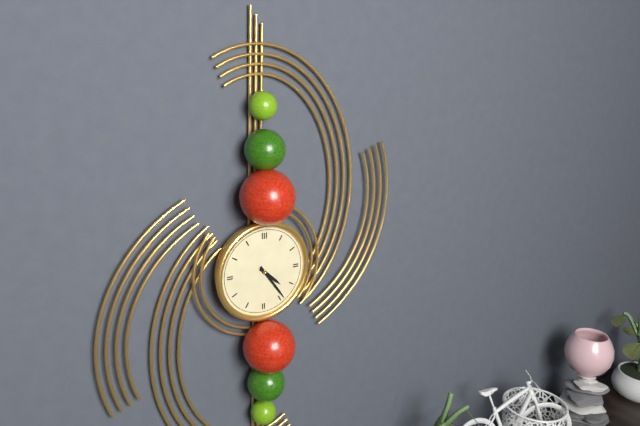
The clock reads 4,24
